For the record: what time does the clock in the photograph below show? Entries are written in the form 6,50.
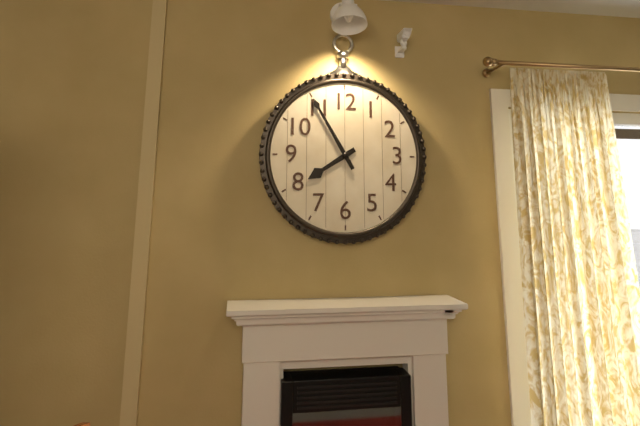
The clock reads 7,55
